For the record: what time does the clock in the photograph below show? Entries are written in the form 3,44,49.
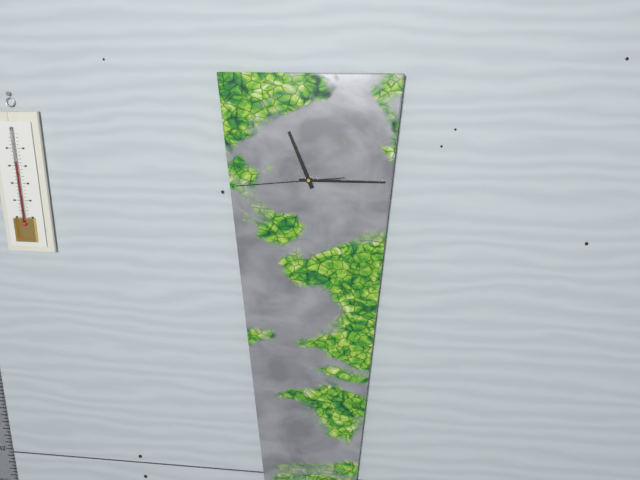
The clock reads 11,15,44
